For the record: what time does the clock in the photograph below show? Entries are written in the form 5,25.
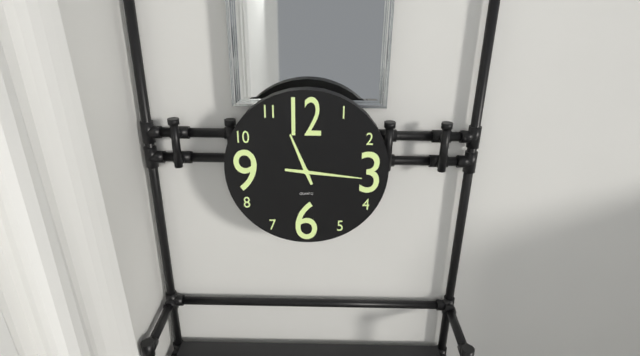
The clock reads 11,16
